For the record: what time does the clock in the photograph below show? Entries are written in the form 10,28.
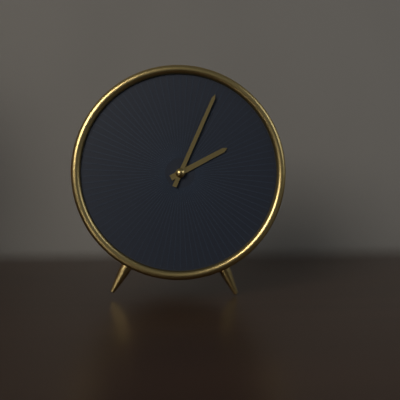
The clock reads 2,04
